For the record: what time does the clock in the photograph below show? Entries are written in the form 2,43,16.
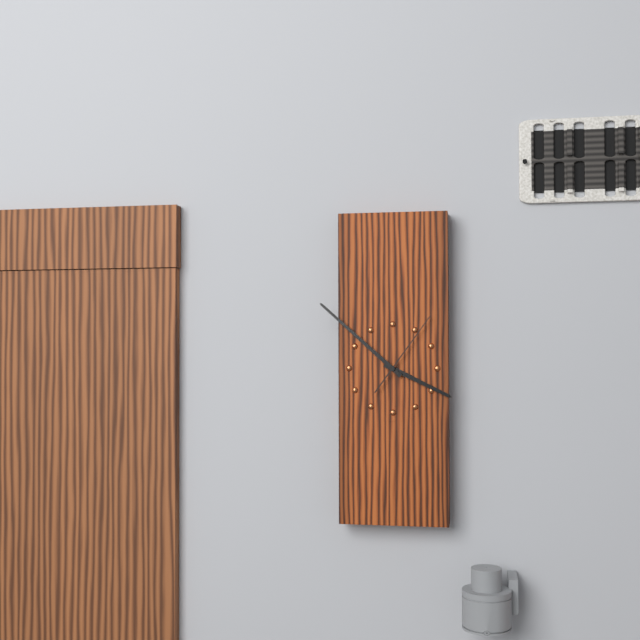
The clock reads 3,52,06
